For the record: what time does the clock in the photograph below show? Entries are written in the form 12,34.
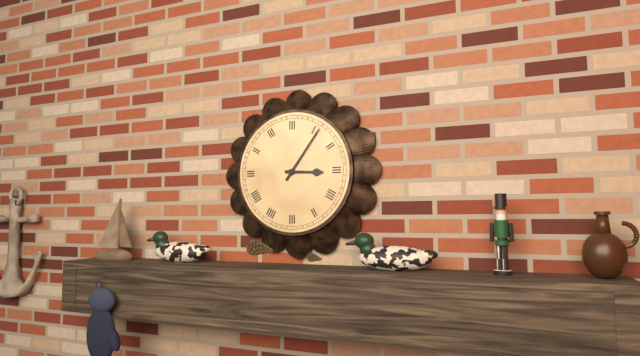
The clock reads 3,06
